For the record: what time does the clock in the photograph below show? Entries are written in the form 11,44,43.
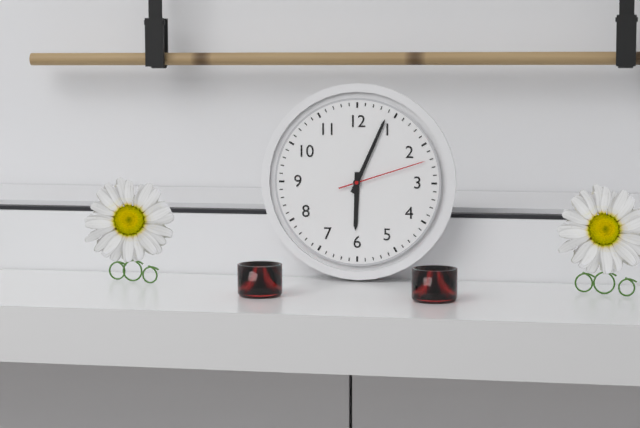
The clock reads 6,04,12
